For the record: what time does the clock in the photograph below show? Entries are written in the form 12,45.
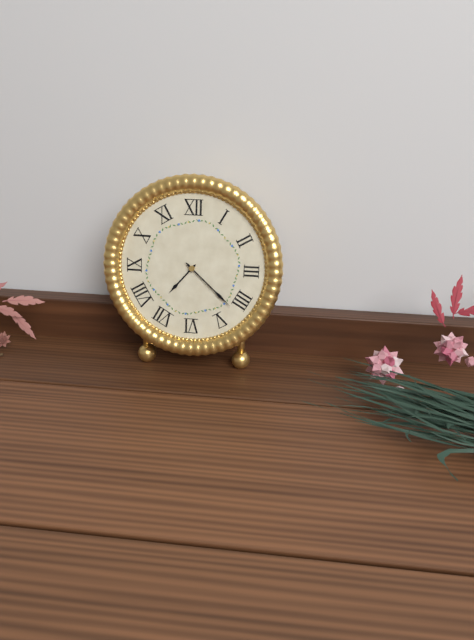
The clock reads 7,22
